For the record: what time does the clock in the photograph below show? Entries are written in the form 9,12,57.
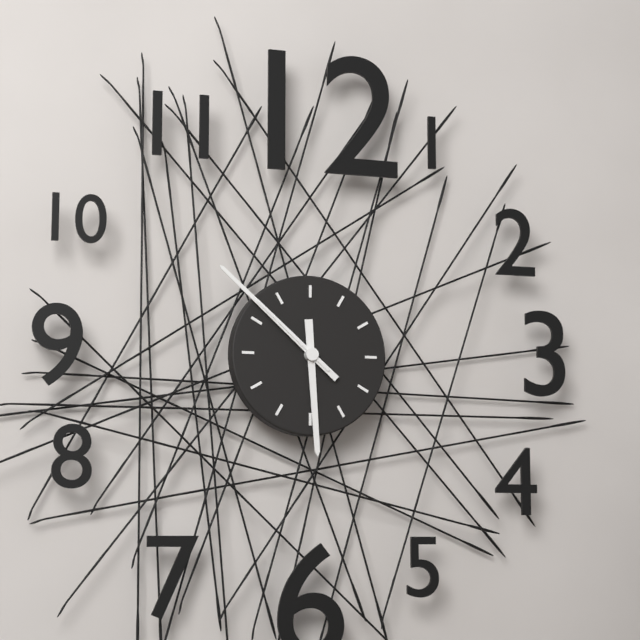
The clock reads 5,52,52
